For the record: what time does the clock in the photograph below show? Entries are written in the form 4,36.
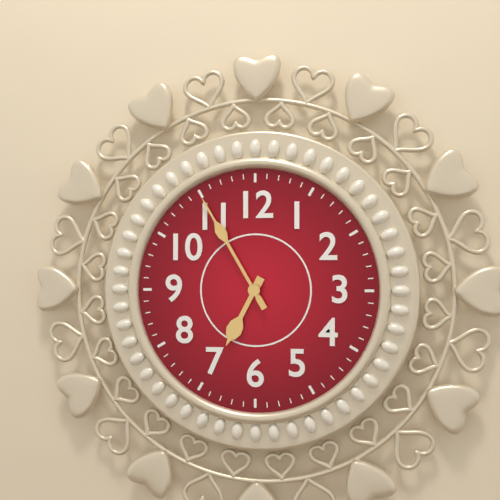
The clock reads 6,55
